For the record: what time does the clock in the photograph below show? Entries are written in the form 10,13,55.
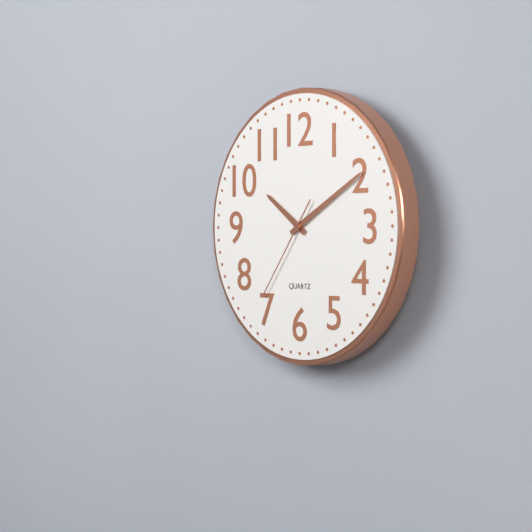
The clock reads 10,10,36
